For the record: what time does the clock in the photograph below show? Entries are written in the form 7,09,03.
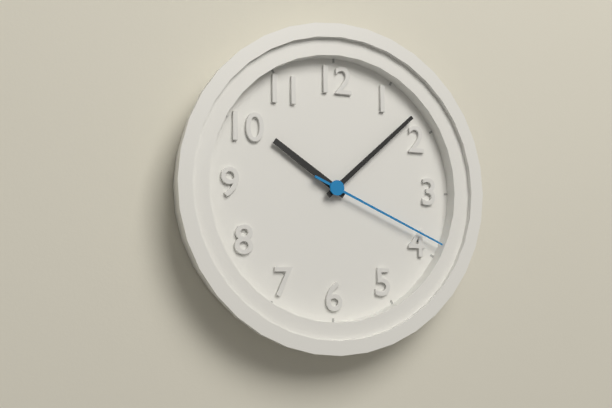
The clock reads 10,08,19
